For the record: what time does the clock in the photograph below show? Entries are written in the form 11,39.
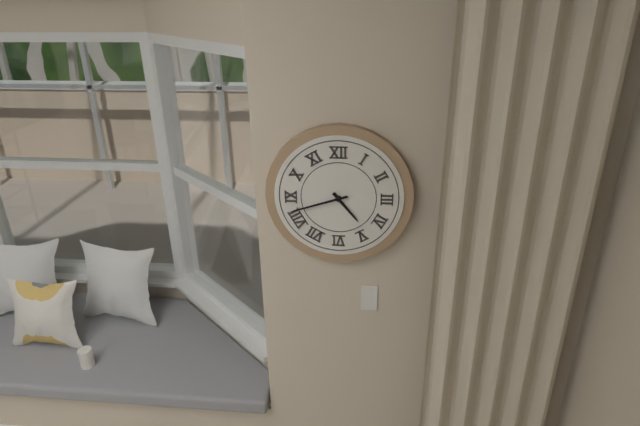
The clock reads 4,42
